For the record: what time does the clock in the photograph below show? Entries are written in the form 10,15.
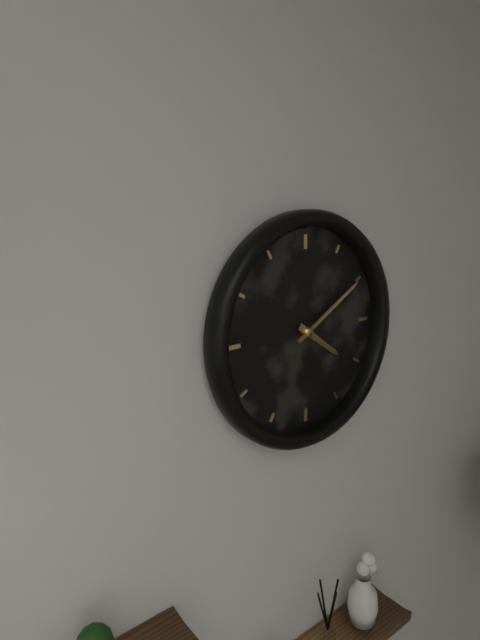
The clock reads 4,10
